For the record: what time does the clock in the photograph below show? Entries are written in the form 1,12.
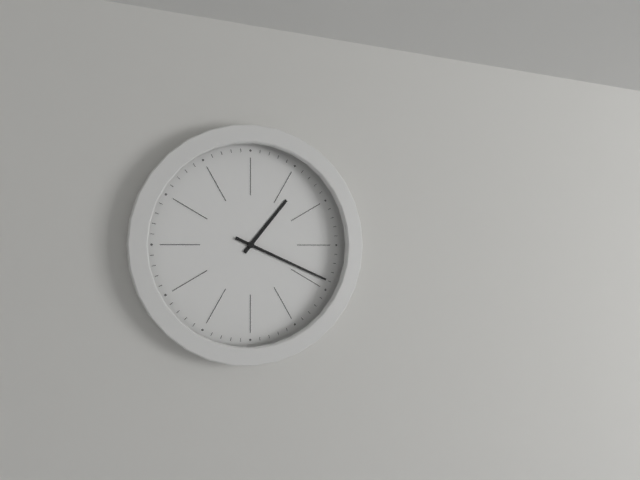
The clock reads 1,19
